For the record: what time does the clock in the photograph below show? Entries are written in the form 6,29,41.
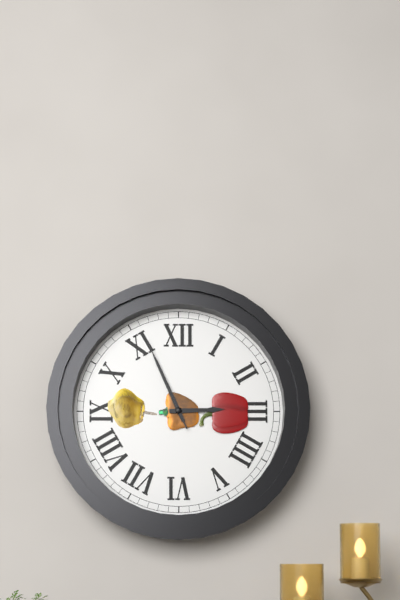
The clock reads 2,56,56
